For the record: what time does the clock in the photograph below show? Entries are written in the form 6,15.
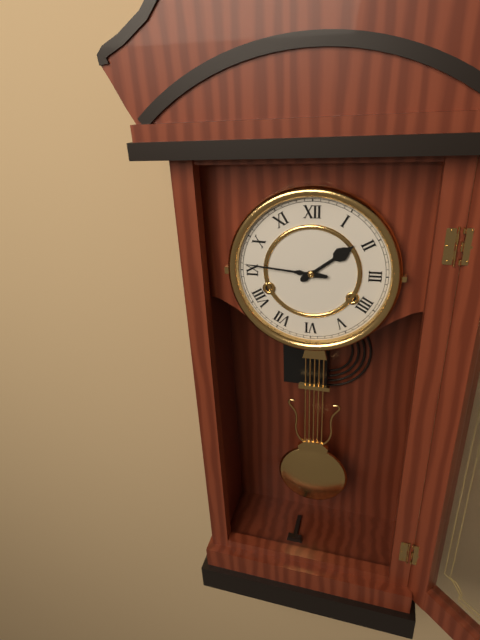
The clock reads 1,46
